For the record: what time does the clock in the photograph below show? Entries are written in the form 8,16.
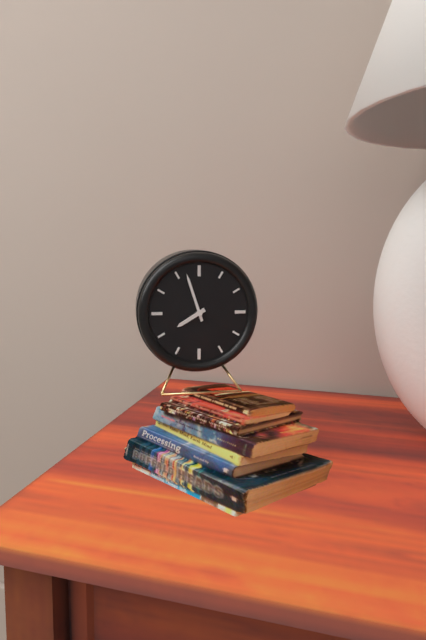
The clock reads 7,57
